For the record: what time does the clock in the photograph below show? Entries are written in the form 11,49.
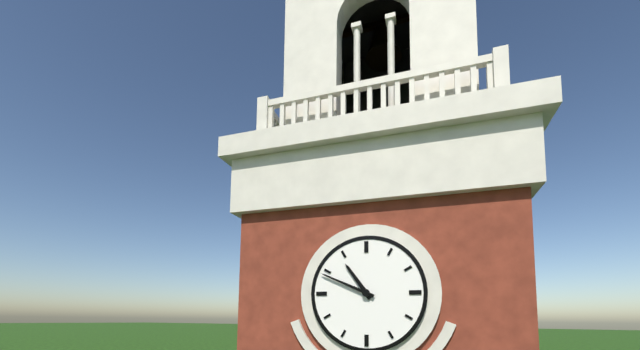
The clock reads 10,49
